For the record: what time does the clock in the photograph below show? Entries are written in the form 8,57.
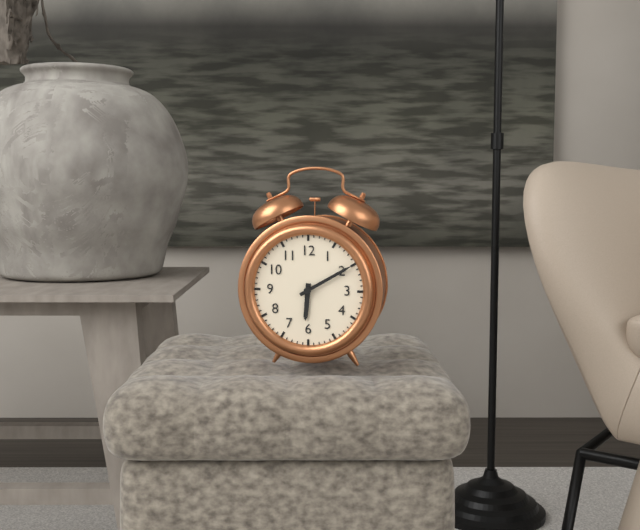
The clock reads 6,10
